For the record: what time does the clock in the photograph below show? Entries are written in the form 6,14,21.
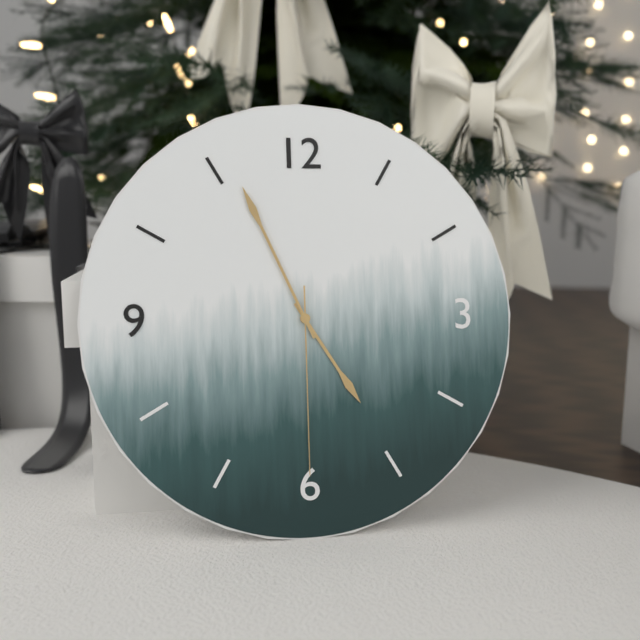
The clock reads 4,56,30
